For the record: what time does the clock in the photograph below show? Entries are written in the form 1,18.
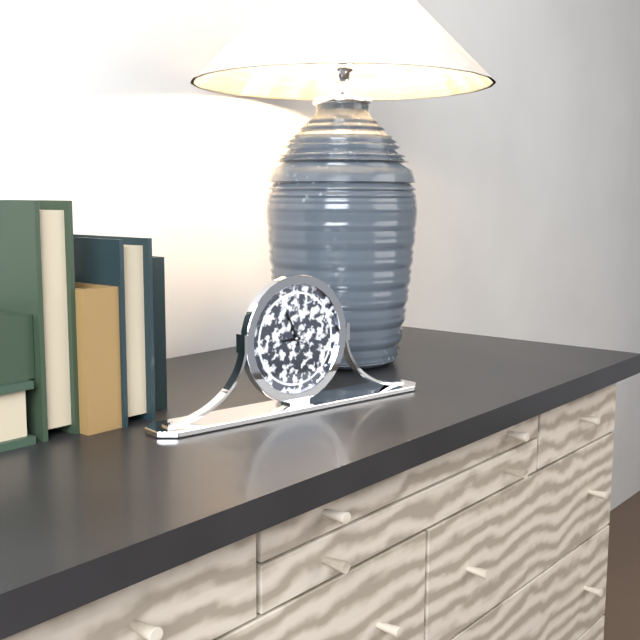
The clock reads 8,56
